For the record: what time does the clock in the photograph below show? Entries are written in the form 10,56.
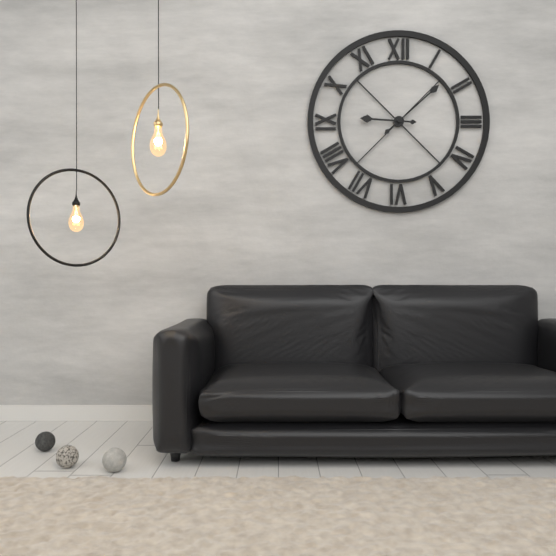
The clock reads 9,08
